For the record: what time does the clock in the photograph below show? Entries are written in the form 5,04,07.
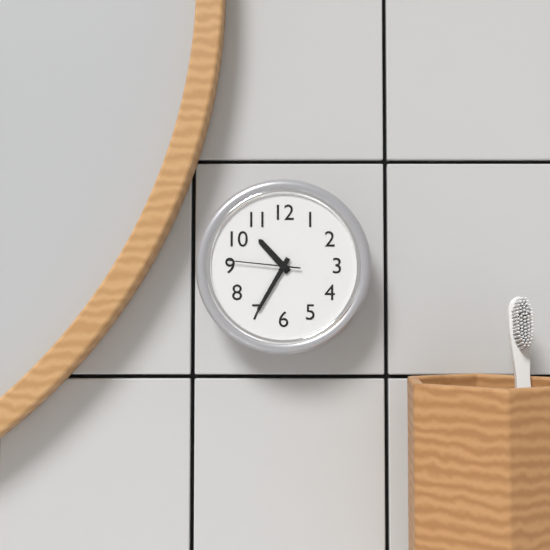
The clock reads 10,35,46
